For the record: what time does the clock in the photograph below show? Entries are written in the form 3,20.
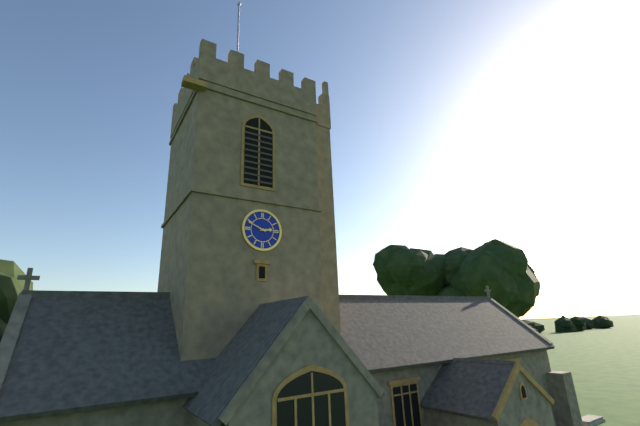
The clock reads 2,49
